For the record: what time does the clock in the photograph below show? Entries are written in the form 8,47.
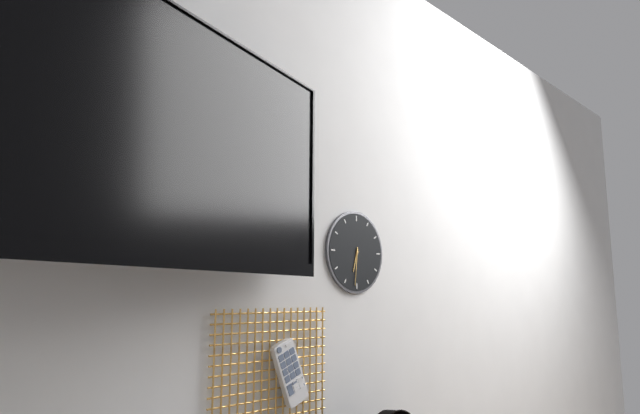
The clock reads 6,31
